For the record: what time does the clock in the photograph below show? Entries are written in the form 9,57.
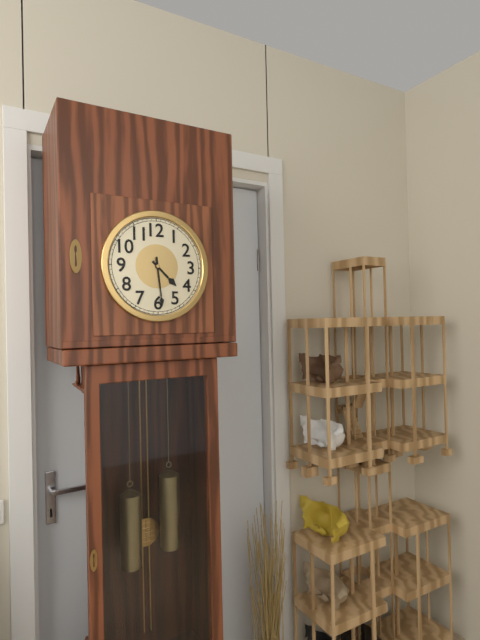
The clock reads 4,29
